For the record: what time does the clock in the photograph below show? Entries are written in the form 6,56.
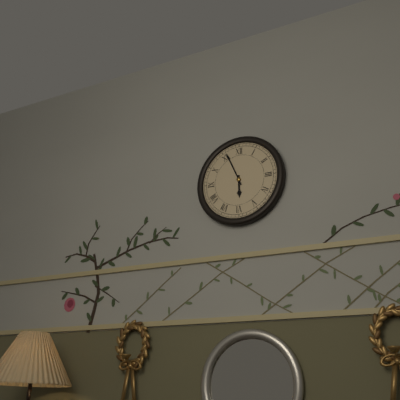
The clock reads 5,56
